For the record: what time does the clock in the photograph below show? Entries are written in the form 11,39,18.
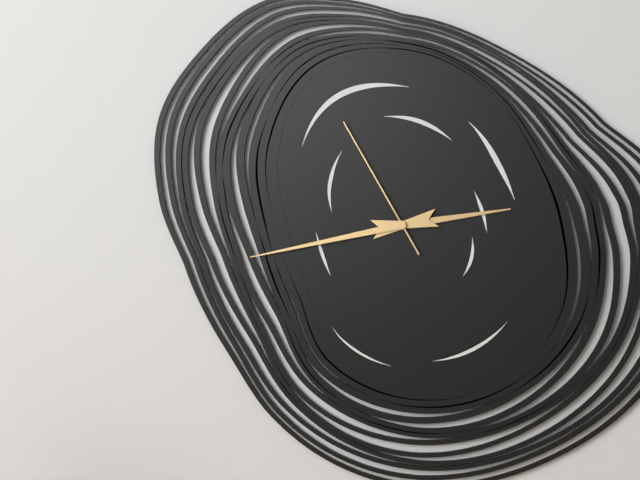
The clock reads 2,43,55
